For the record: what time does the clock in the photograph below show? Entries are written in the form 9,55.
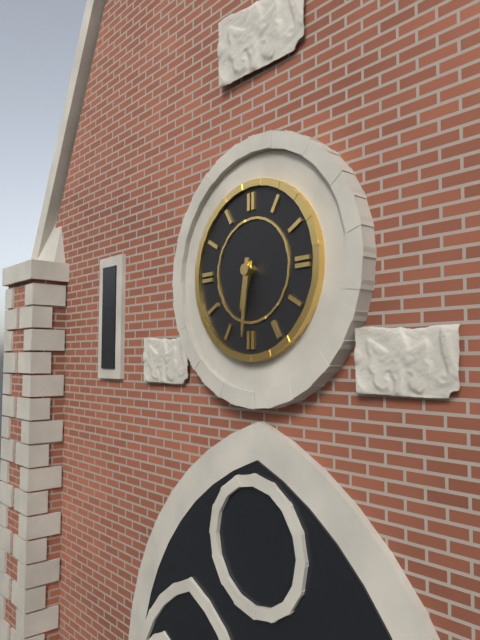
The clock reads 6,31
